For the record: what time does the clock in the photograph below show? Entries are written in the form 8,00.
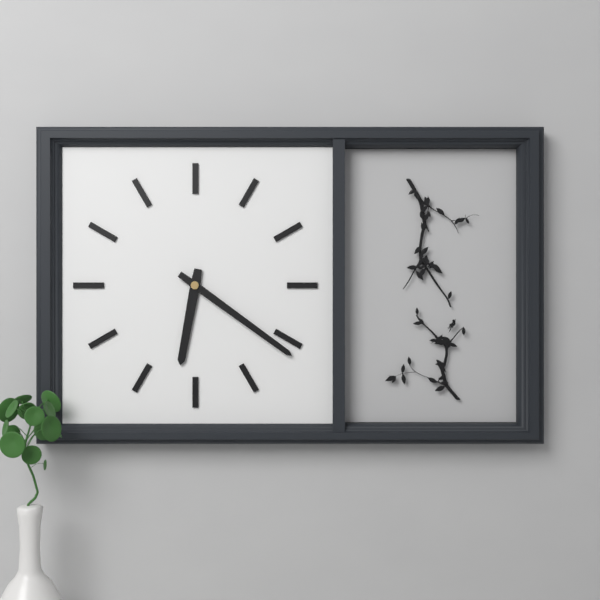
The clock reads 6,21
